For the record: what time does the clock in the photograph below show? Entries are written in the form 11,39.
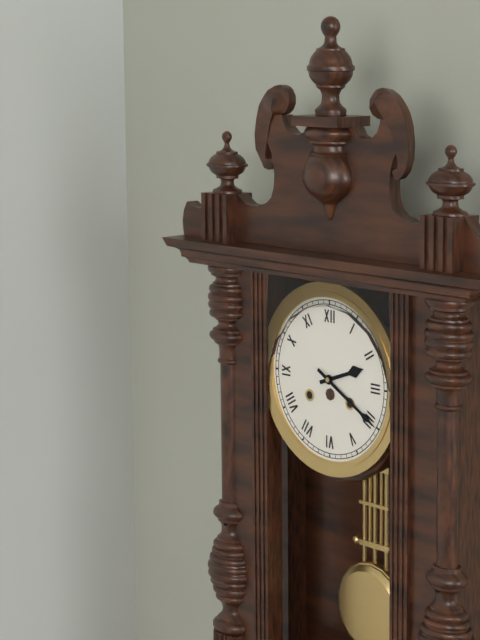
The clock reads 2,20
